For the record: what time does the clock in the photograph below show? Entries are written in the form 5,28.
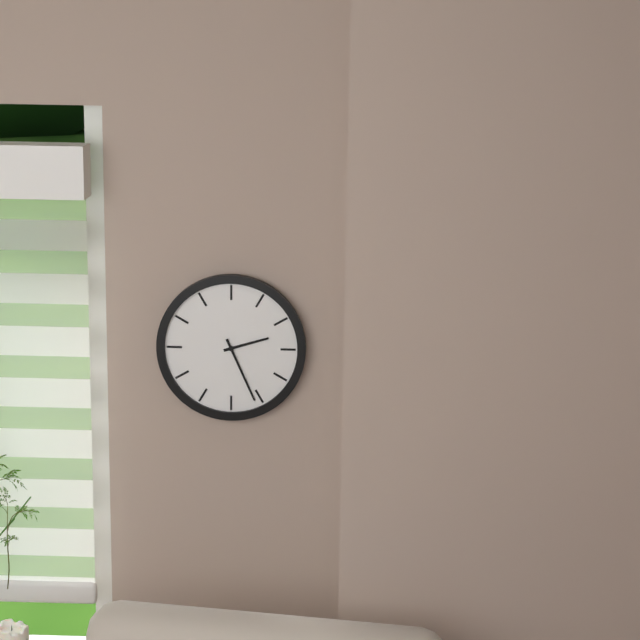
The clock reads 2,26
